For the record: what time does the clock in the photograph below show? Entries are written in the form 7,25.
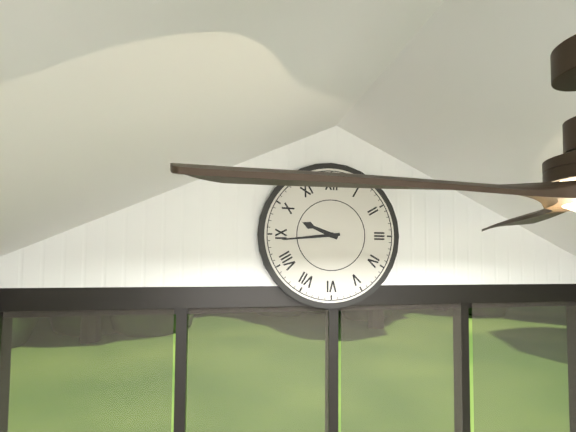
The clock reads 9,44
